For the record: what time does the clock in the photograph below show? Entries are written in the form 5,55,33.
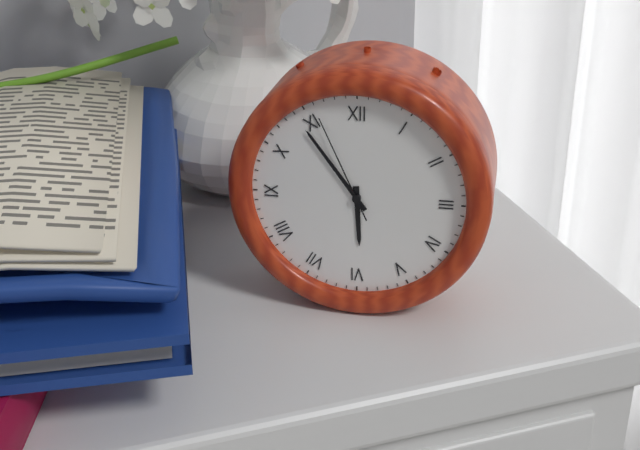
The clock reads 5,54,56
